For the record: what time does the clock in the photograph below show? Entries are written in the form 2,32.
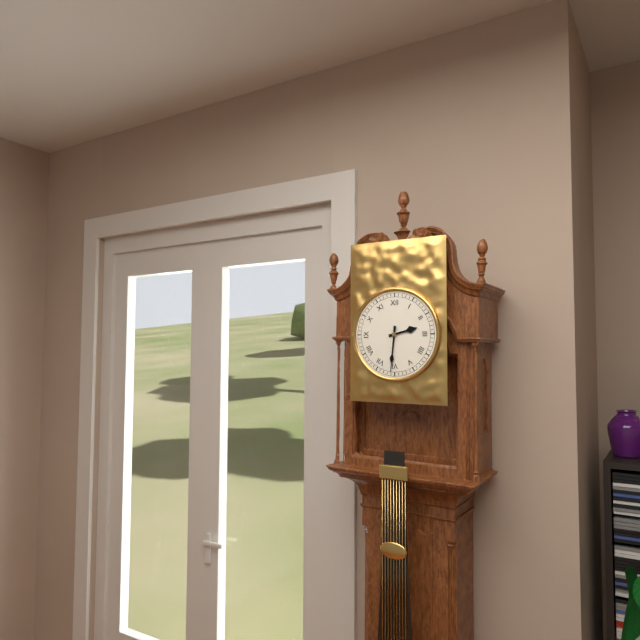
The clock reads 2,31
